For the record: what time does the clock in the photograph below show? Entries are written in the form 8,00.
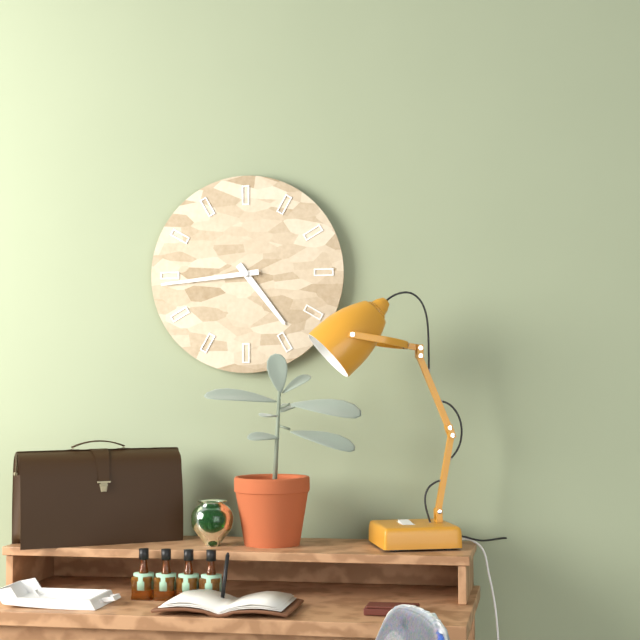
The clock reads 4,44
